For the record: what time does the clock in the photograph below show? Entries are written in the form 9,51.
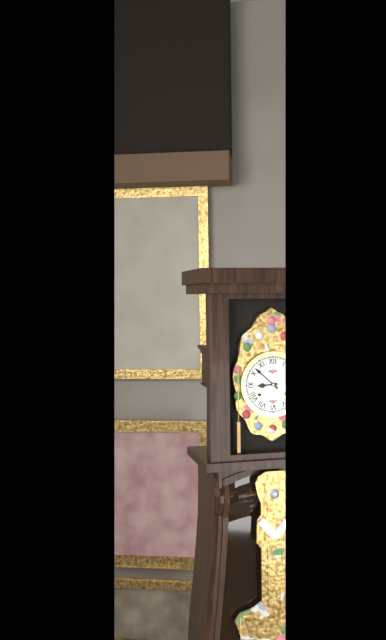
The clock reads 8,52
